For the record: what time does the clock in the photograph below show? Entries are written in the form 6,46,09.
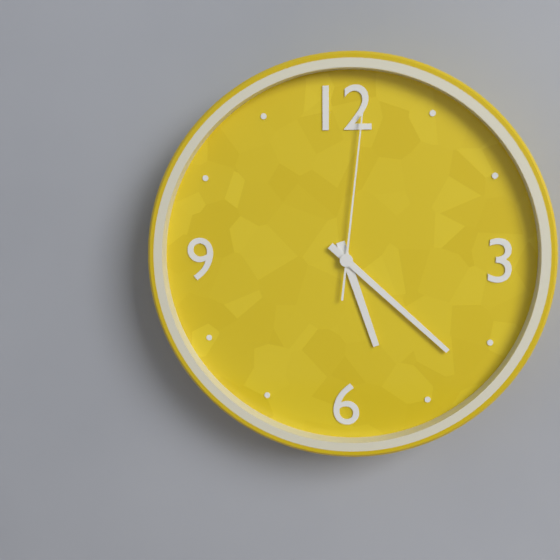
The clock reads 5,22,01
